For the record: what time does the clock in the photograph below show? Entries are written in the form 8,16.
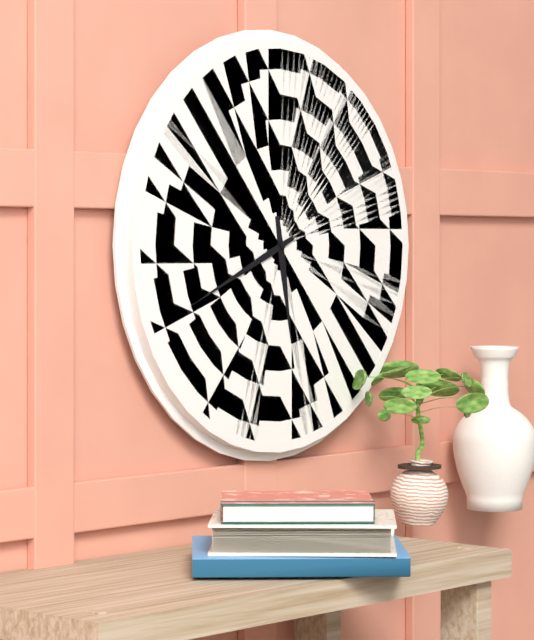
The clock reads 5,41
